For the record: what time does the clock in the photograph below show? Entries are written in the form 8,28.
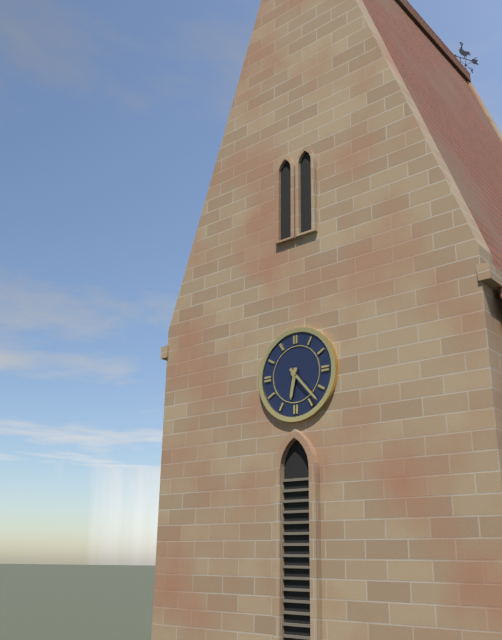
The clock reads 6,23
